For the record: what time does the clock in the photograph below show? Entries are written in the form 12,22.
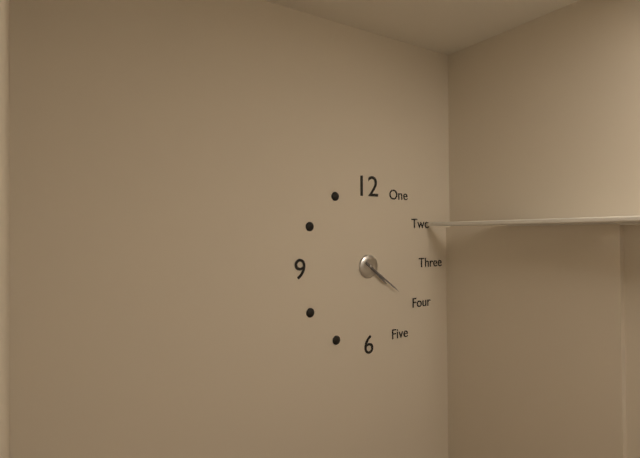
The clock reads 4,21
